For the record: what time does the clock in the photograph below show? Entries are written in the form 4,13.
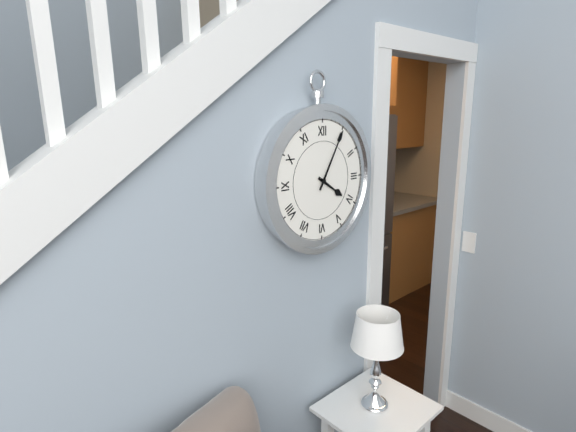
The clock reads 4,05
